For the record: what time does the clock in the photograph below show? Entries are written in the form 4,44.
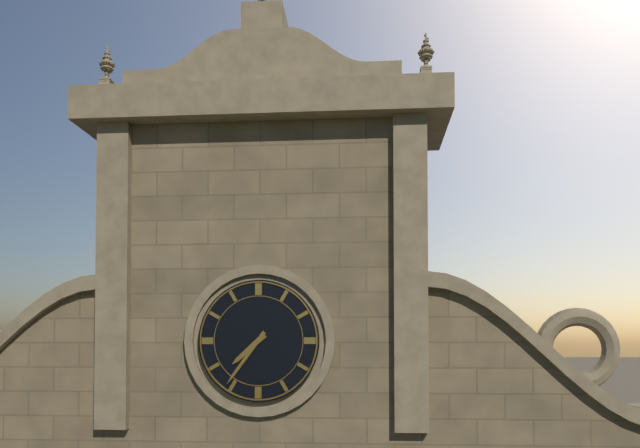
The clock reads 7,36
